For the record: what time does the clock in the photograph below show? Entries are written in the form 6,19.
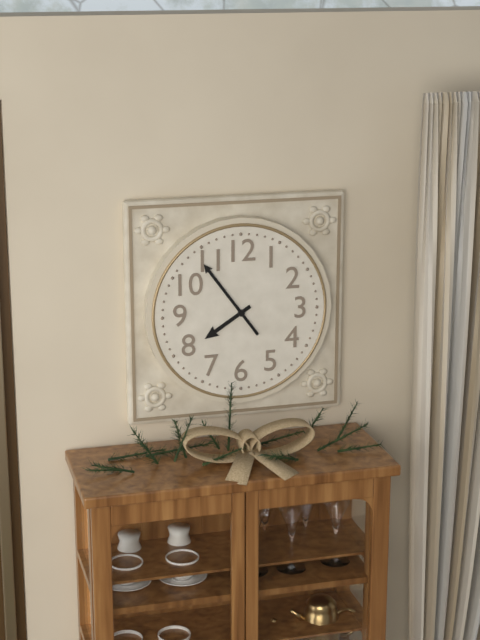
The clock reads 7,54
